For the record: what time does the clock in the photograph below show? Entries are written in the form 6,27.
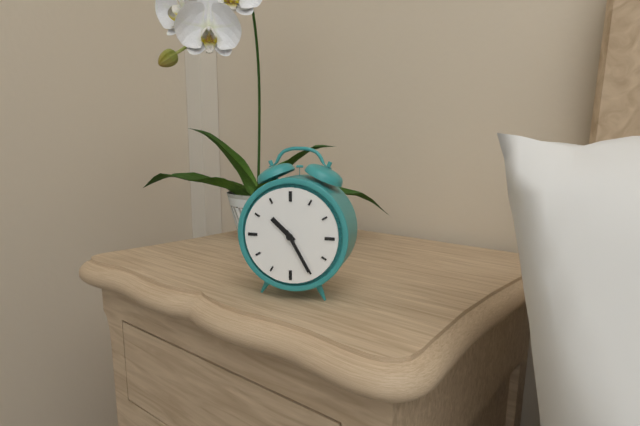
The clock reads 10,25
